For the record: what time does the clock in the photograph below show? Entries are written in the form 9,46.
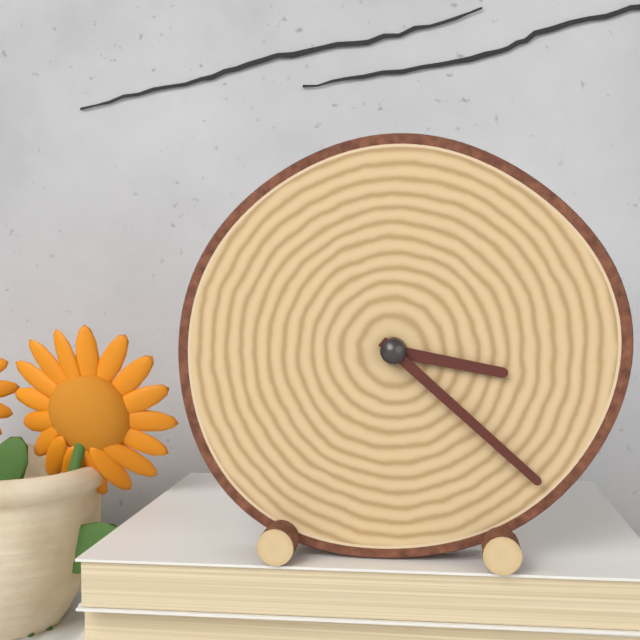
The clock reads 3,22
